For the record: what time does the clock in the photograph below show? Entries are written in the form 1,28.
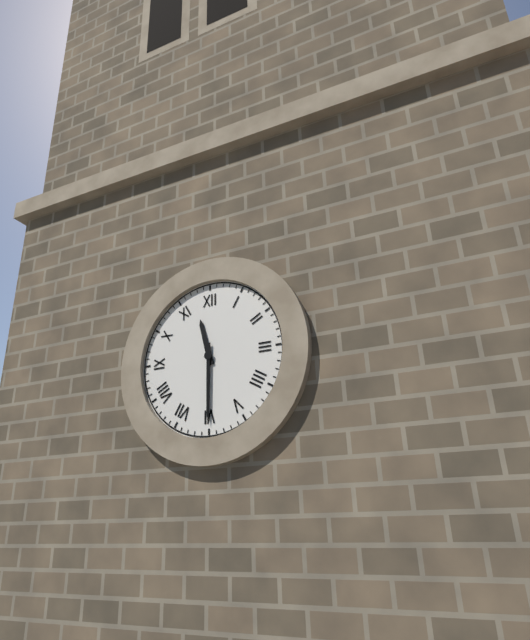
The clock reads 11,30
